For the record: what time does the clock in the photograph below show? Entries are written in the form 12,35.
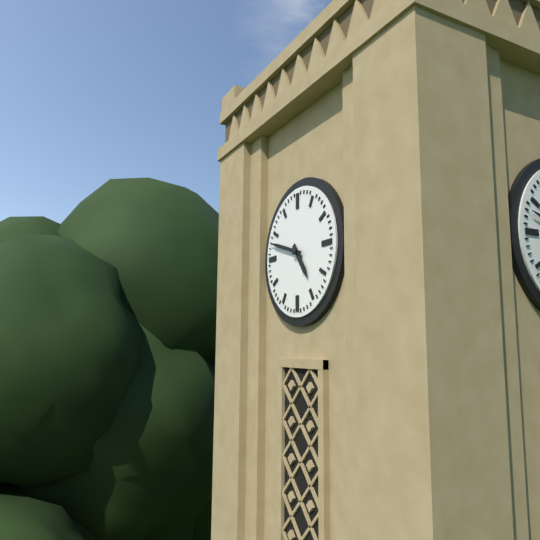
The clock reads 4,48
